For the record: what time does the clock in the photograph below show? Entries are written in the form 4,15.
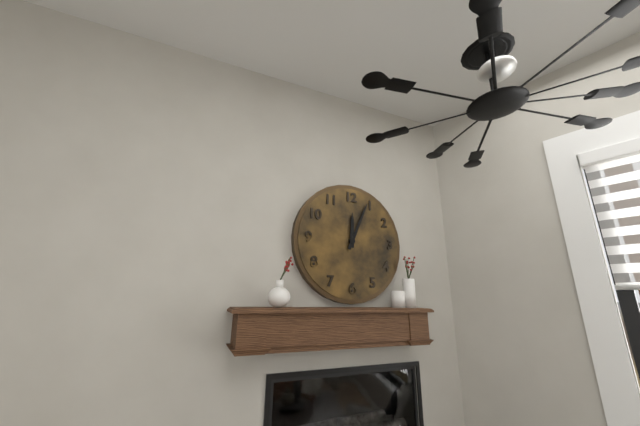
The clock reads 12,04
